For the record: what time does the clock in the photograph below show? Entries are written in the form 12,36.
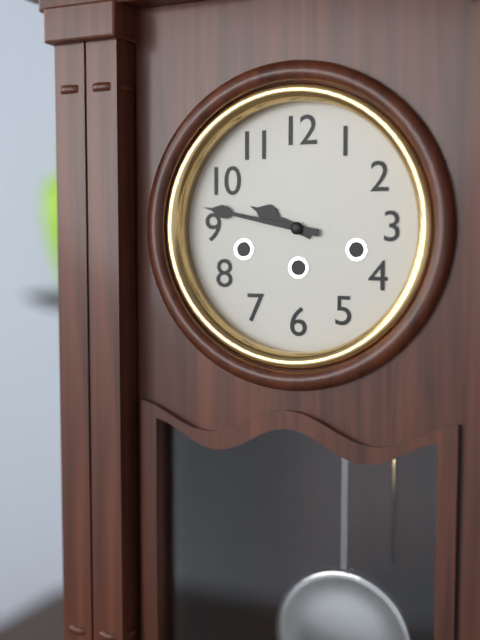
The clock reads 9,47
